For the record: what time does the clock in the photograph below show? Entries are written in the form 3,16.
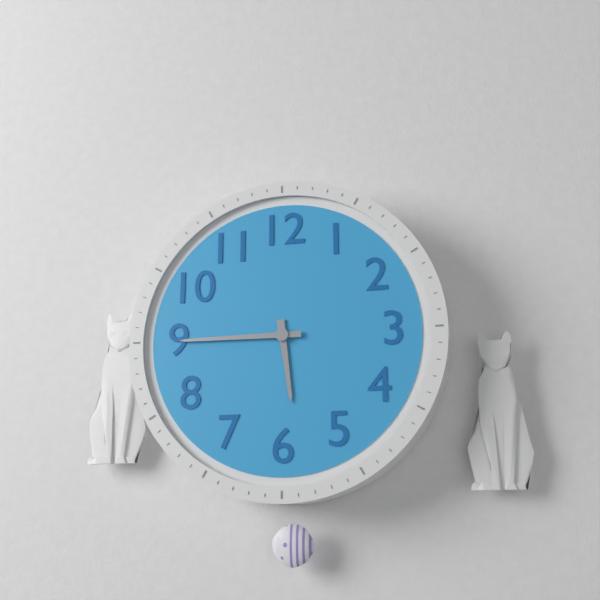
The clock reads 5,45
